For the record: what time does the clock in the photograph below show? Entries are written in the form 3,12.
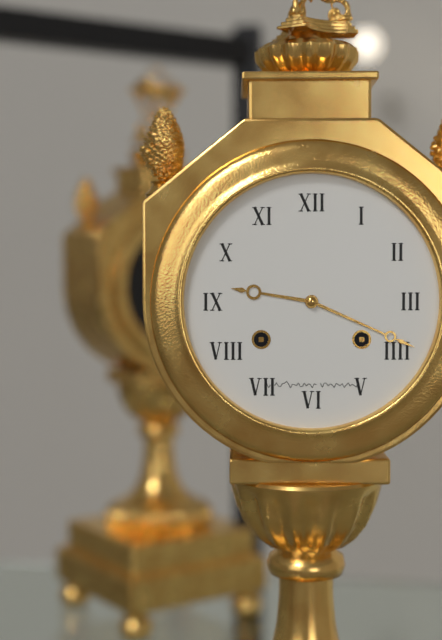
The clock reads 9,19
